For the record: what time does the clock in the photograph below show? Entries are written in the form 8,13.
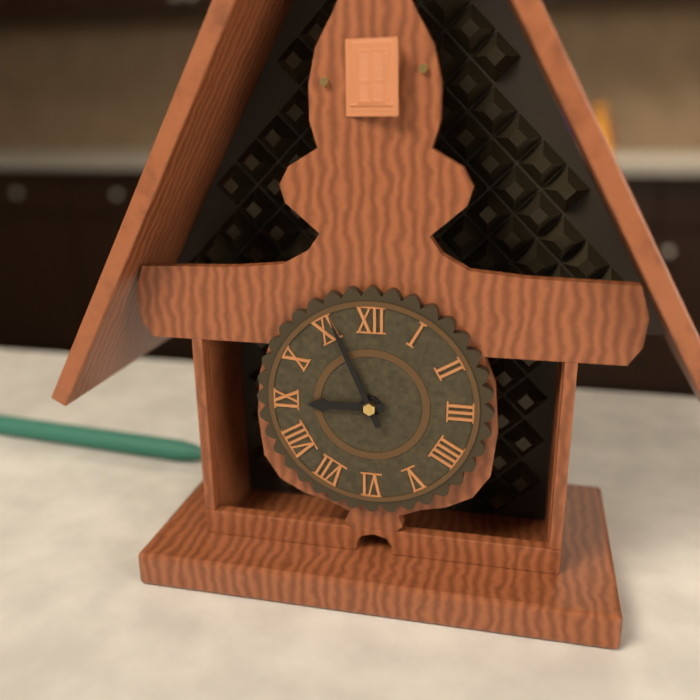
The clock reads 8,56
